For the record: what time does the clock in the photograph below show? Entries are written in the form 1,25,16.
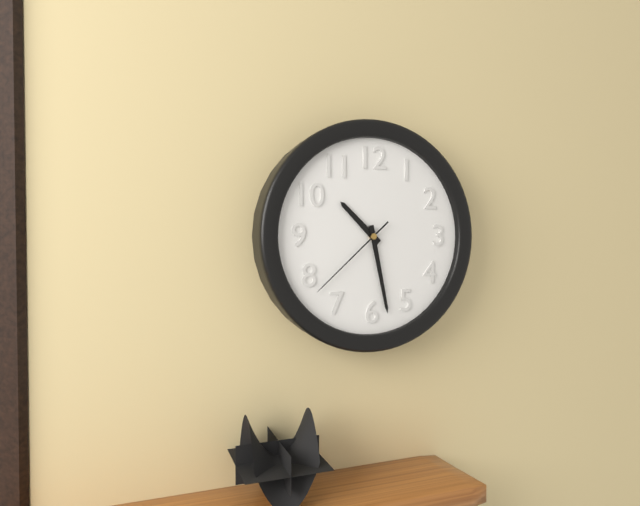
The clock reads 10,28,38
